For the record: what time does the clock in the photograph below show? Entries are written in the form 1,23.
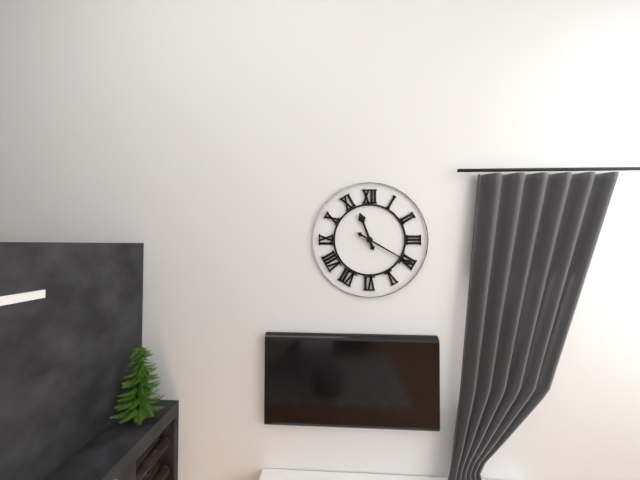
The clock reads 11,20
